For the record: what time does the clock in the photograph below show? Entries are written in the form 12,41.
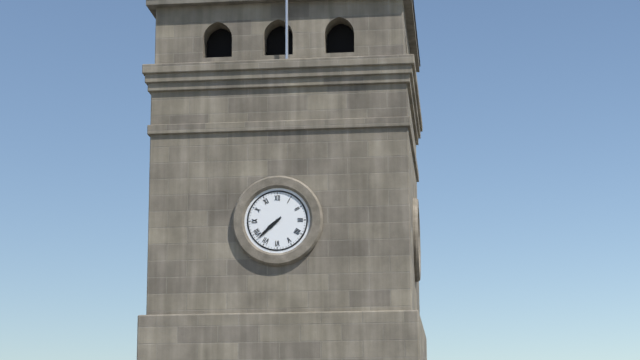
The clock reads 7,38
